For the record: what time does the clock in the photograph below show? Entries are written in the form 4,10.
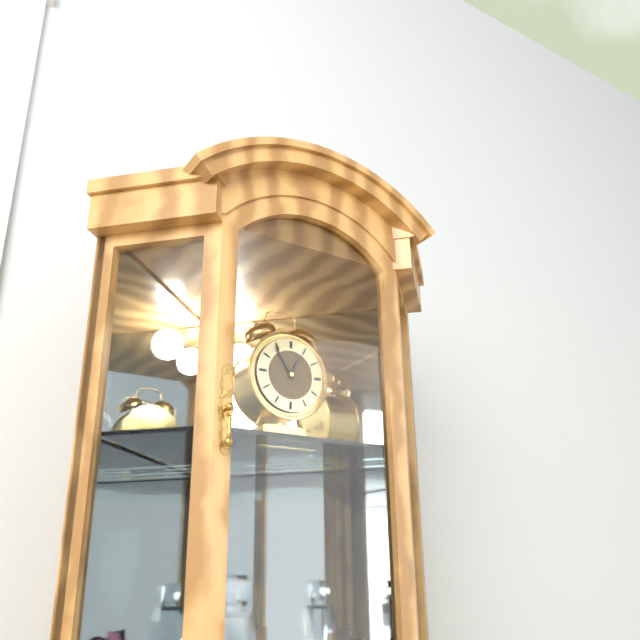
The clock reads 12,54
